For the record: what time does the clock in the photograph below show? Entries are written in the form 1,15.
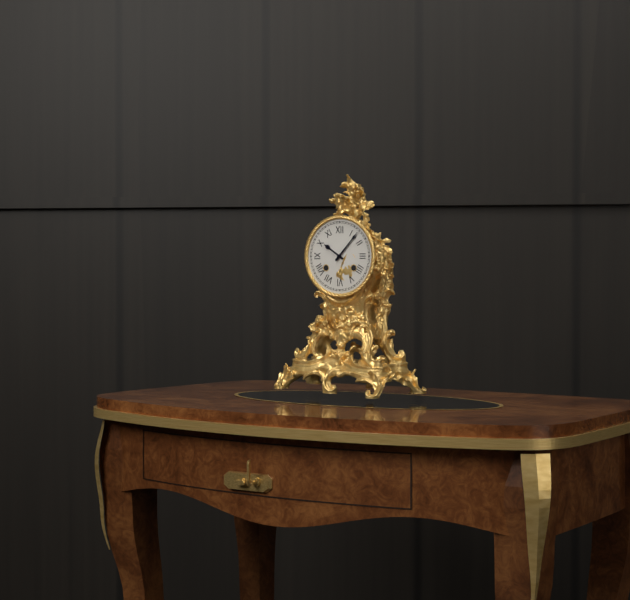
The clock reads 10,07
